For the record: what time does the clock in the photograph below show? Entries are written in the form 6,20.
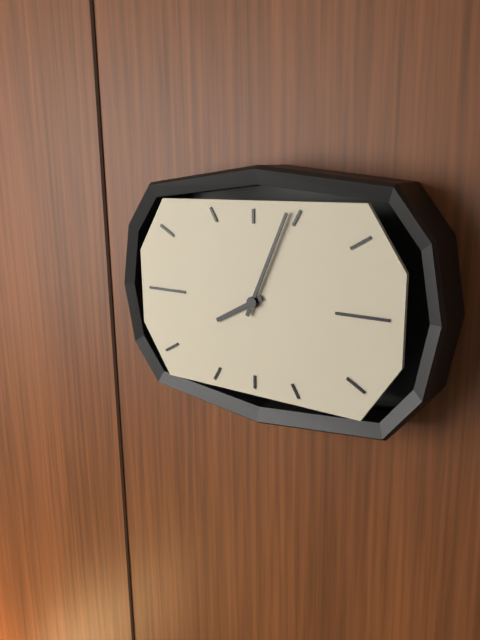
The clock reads 8,04
